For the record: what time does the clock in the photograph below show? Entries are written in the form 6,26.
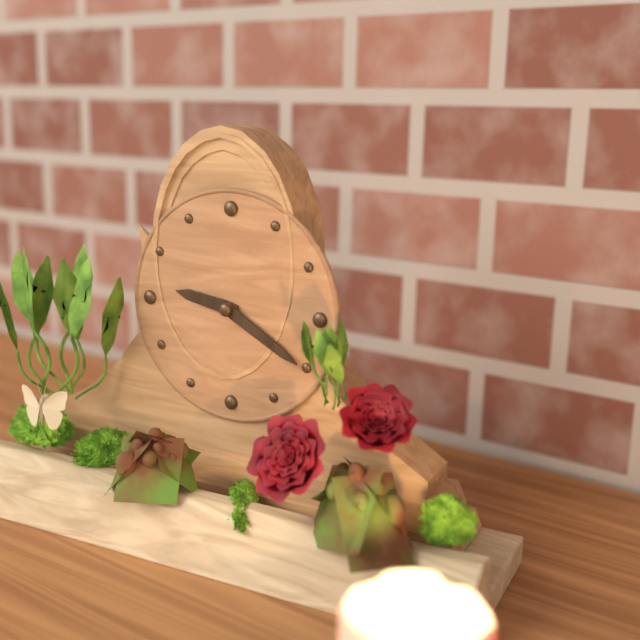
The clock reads 9,20
